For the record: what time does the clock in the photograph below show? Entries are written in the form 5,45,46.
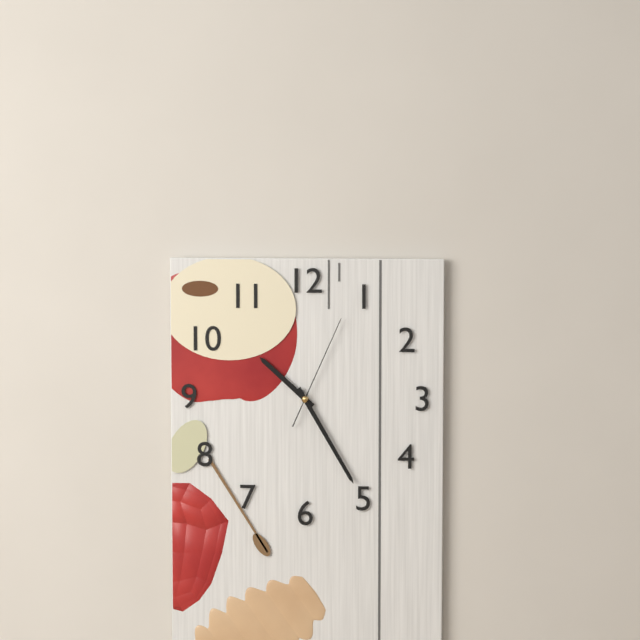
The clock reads 10,25,04
